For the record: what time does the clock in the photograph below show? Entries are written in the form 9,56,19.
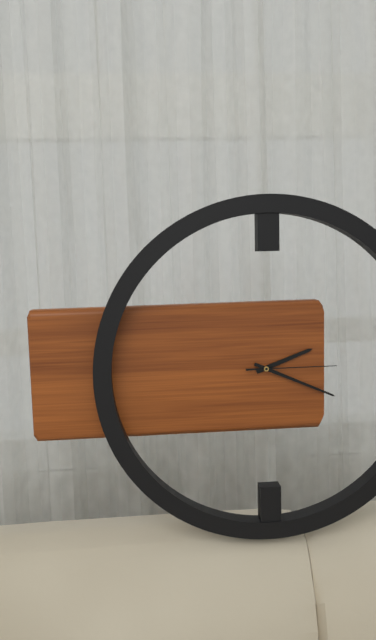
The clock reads 2,19,15
